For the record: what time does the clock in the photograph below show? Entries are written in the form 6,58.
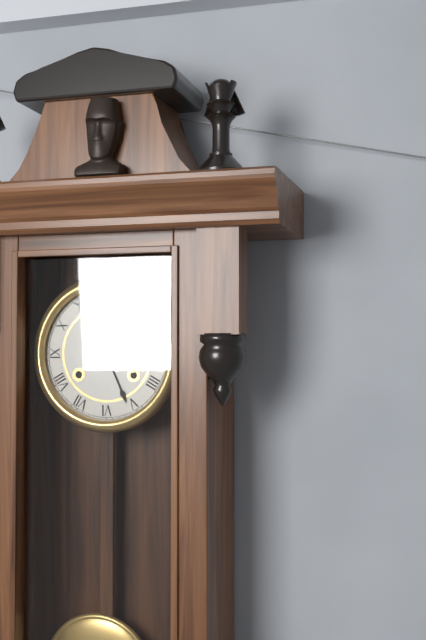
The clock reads 11,26
